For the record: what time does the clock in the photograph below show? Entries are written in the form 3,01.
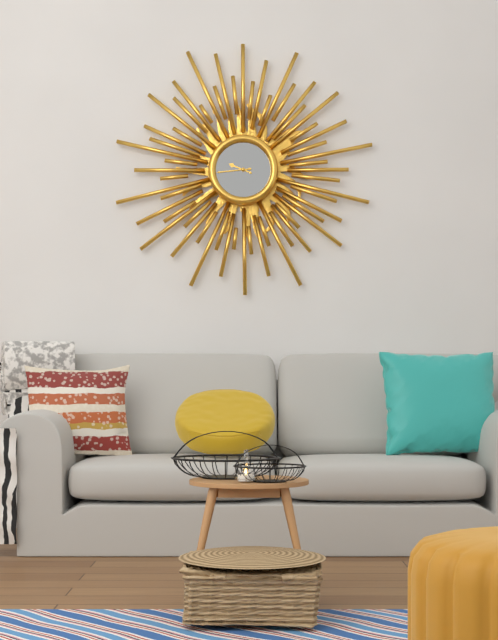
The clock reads 9,44
